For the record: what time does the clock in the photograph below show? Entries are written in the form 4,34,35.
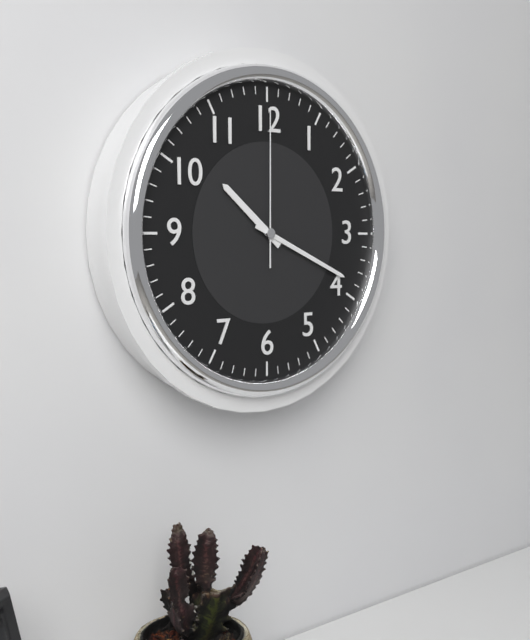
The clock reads 10,19,00
